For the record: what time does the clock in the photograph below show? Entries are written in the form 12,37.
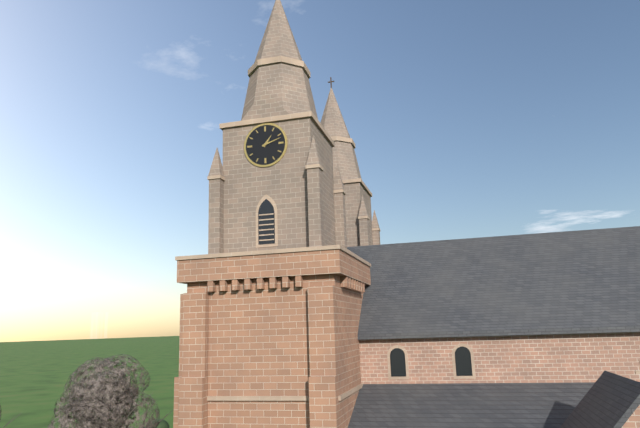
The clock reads 1,12
